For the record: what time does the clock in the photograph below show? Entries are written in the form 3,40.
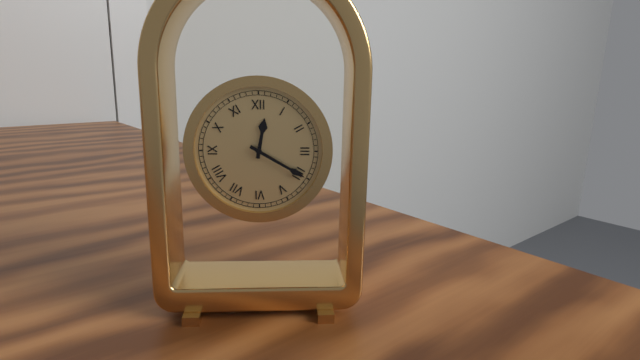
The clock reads 12,20
